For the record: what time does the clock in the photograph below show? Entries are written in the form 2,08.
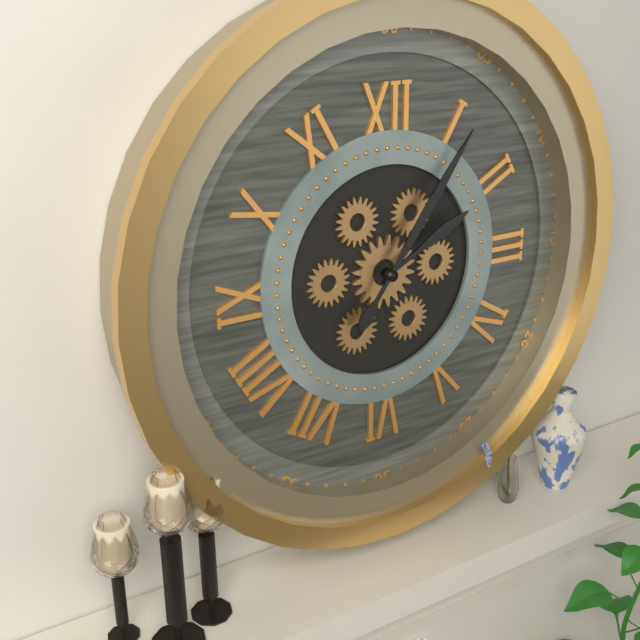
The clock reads 2,06
